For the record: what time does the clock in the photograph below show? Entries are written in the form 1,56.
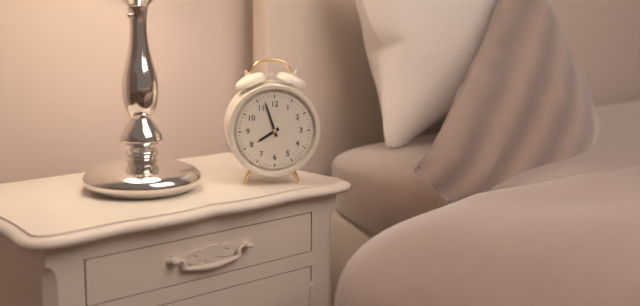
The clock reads 7,57
